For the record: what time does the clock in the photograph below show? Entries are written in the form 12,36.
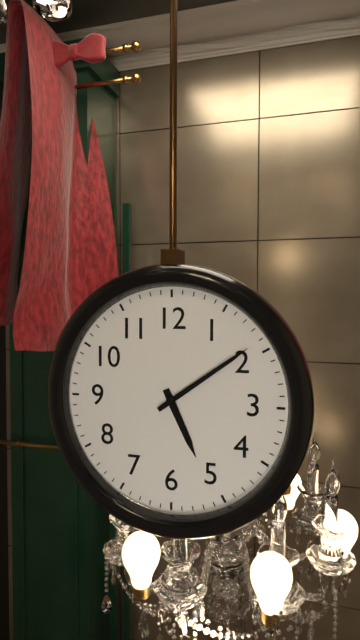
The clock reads 5,09
